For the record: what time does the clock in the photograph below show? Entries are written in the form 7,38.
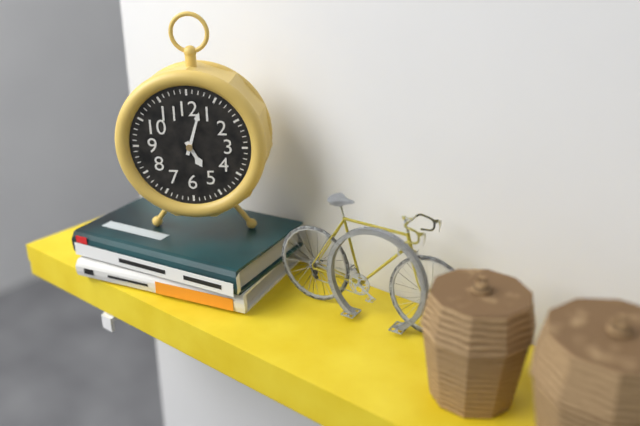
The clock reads 5,03
